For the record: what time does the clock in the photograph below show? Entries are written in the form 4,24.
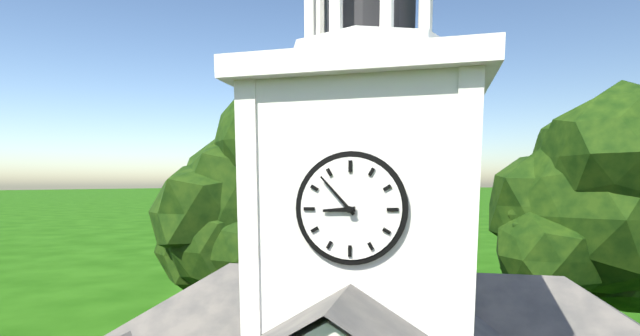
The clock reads 8,53
